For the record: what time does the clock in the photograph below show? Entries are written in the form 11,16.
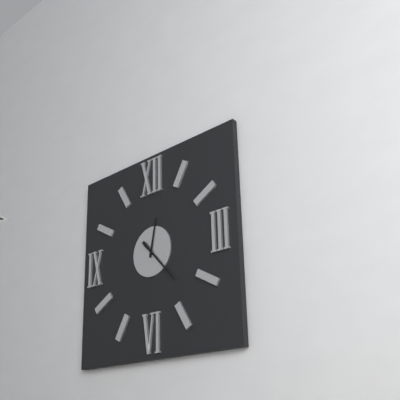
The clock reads 12,23
